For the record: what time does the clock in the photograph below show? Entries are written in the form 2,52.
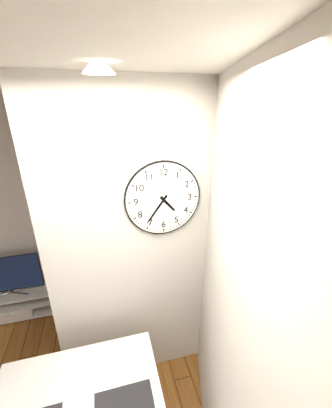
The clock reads 4,36
